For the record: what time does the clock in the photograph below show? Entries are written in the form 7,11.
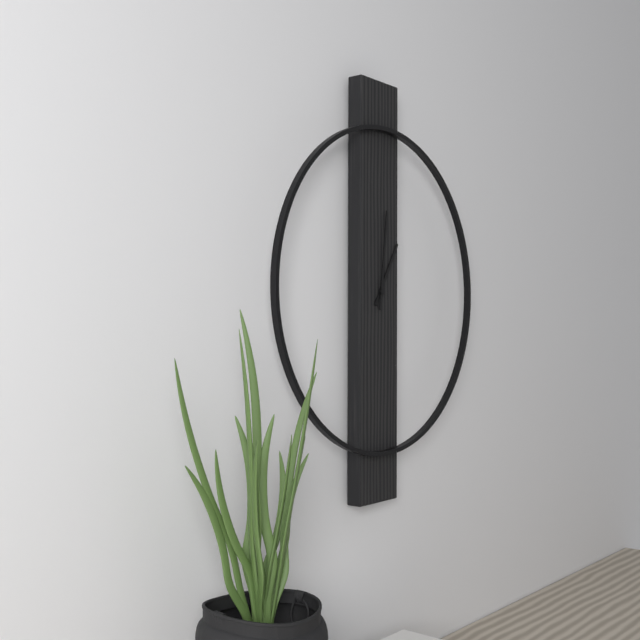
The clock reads 1,01
